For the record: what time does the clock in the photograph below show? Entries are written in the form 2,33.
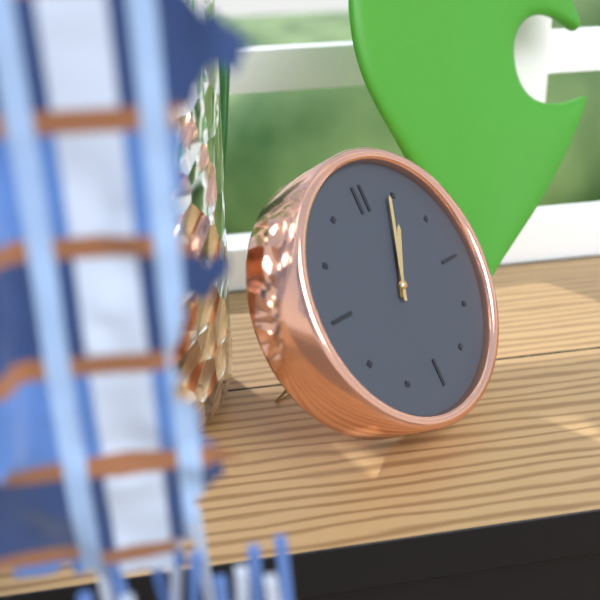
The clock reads 1,04
